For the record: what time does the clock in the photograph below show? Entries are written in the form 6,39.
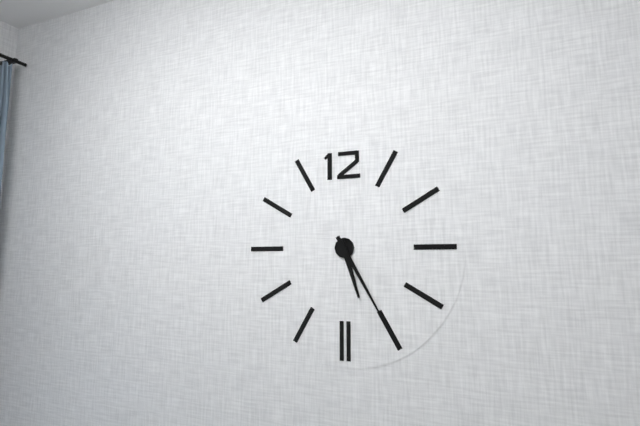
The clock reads 5,25
